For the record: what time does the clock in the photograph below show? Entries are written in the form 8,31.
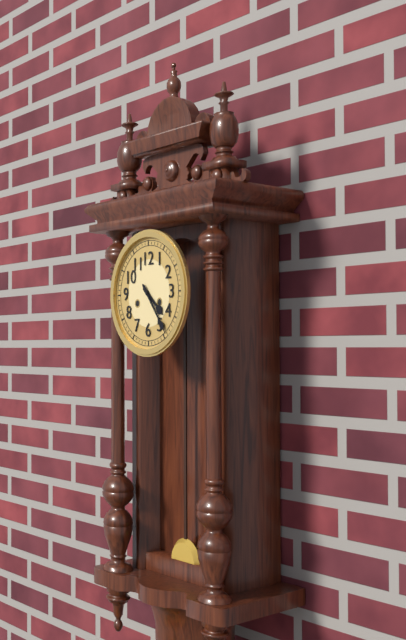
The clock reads 4,24
